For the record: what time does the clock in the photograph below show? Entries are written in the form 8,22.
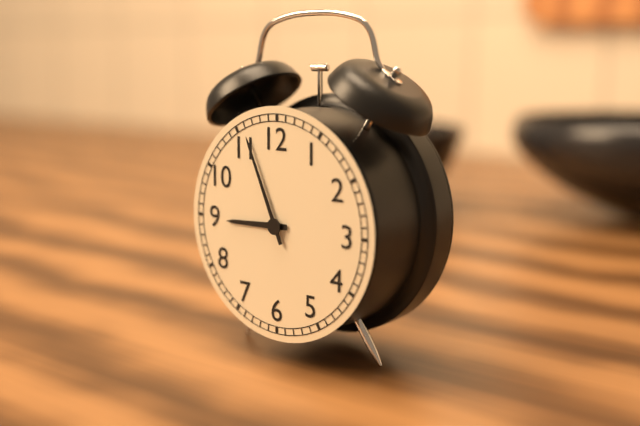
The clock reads 8,56
